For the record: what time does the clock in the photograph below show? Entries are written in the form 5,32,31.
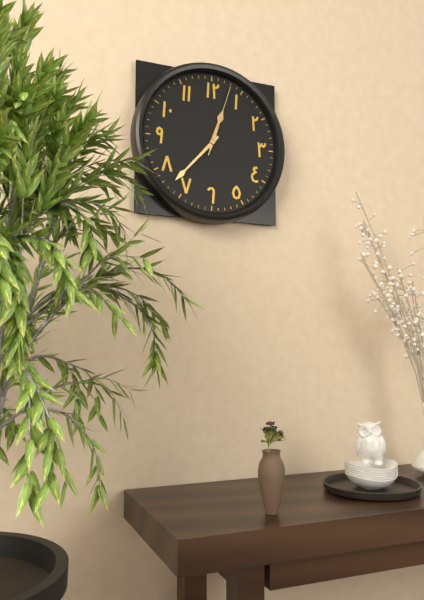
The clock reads 12,37,03
